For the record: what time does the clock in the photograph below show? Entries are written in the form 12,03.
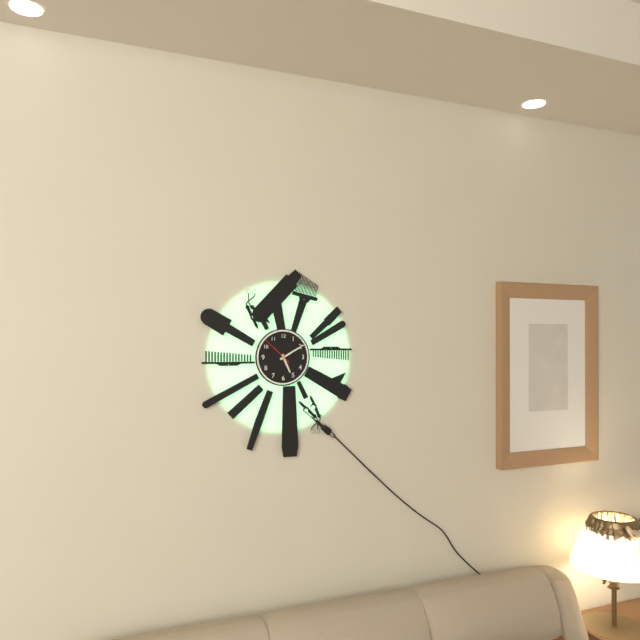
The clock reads 5,10
